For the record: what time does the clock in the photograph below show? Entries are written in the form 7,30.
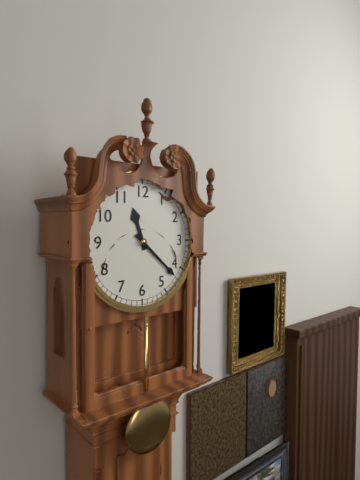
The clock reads 11,22
